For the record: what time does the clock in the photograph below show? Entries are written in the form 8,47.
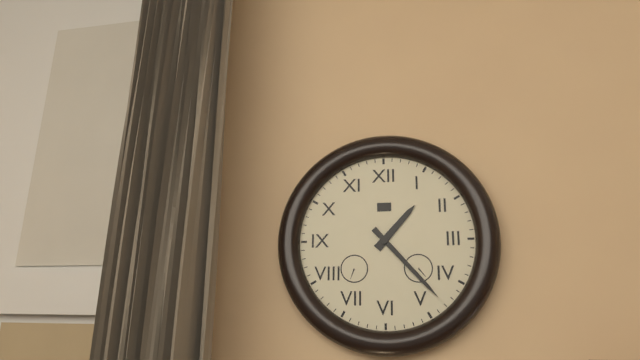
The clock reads 1,23
